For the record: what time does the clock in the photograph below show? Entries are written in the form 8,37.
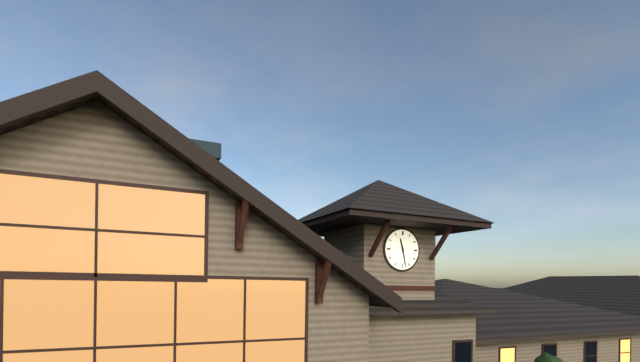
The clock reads 11,28
